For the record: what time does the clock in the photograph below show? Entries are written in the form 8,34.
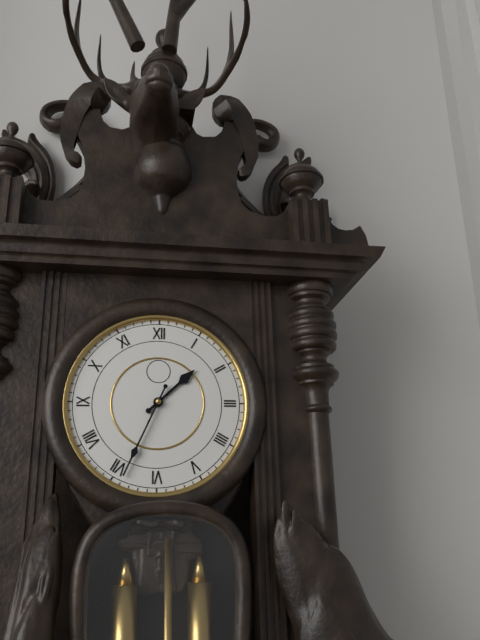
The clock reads 1,34
